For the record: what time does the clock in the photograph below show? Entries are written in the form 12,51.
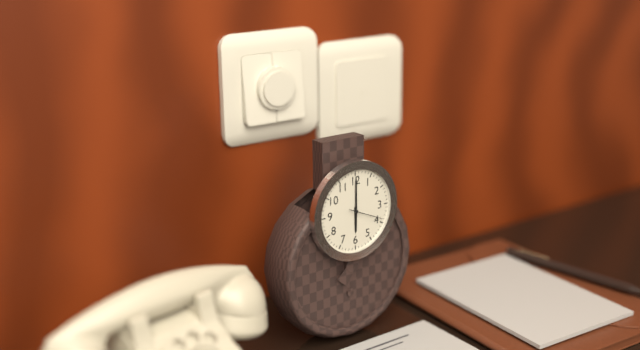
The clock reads 6,00
